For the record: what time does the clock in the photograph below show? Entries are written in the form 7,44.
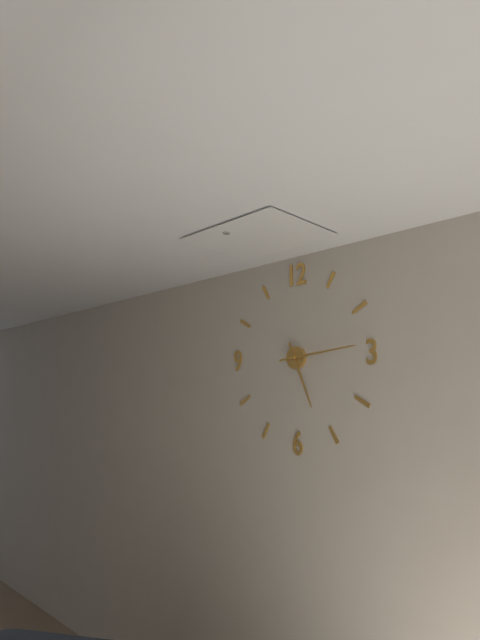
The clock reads 5,14
